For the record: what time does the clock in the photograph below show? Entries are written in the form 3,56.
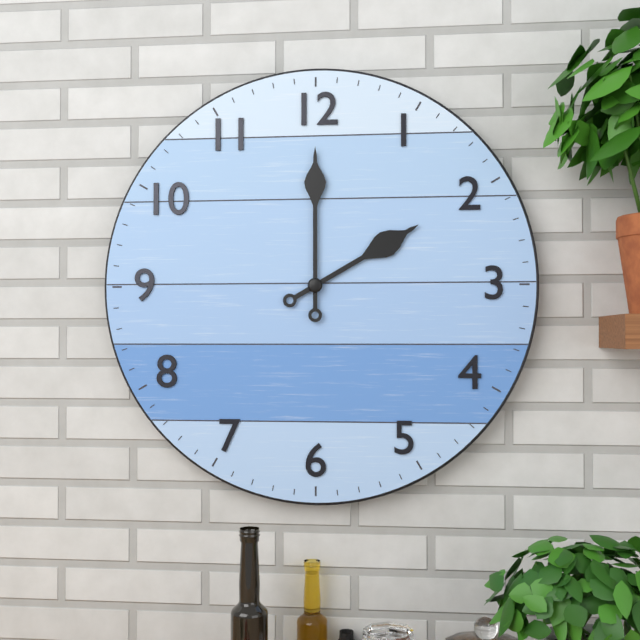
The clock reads 2,00
